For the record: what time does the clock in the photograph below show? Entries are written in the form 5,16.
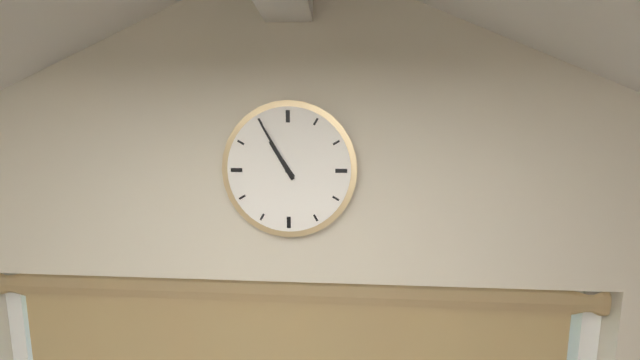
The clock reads 10,55
